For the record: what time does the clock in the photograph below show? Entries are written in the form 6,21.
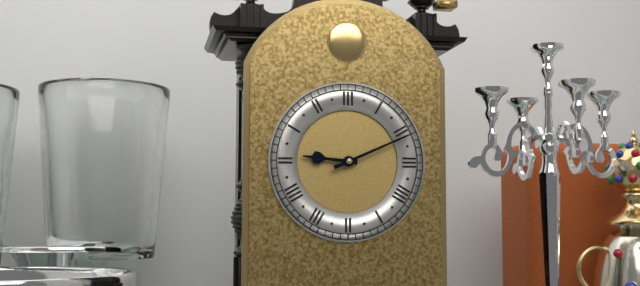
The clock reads 9,11
